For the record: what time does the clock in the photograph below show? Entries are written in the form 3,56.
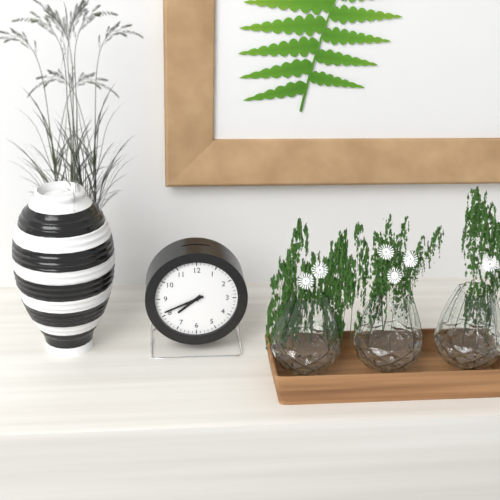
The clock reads 7,41
